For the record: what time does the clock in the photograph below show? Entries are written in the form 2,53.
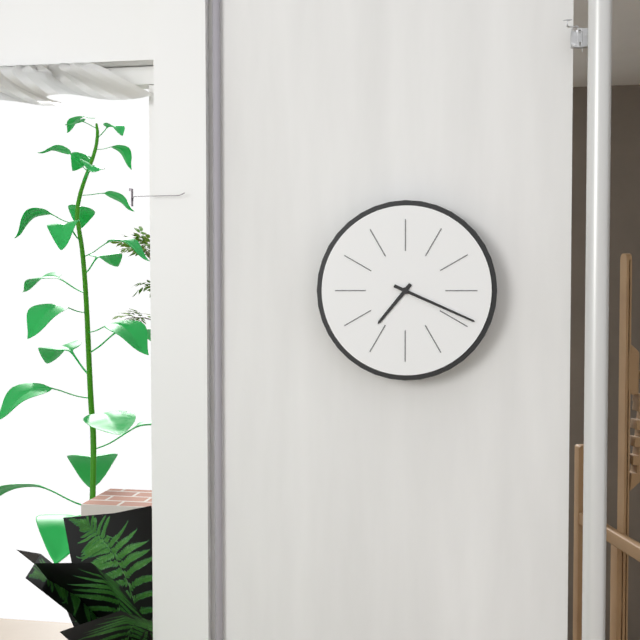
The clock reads 7,19
